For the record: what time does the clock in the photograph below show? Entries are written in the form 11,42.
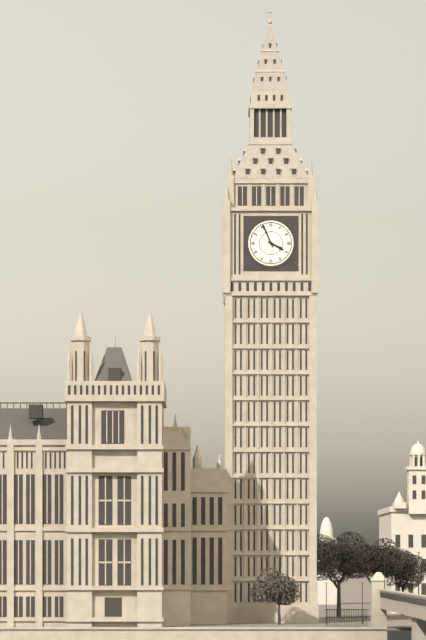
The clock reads 3,56
